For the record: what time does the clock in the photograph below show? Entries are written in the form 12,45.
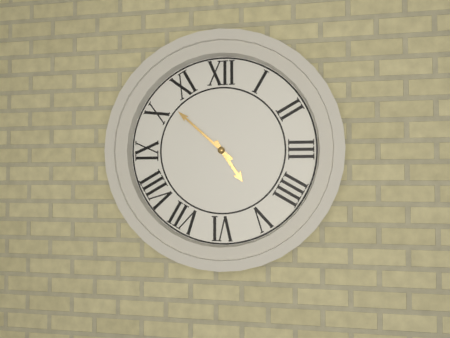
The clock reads 4,52
